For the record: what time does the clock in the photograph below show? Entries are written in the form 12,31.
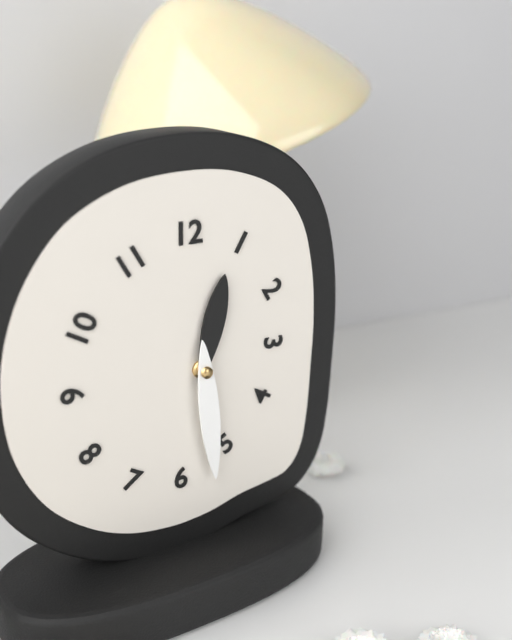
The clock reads 12,29
